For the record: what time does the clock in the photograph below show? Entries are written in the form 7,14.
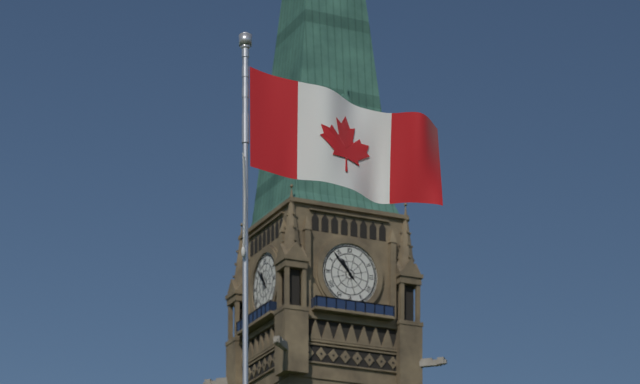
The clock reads 10,53
